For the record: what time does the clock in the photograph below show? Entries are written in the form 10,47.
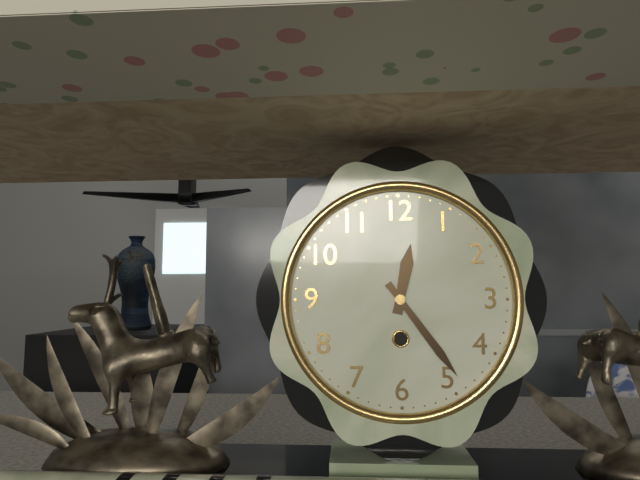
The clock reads 12,24
